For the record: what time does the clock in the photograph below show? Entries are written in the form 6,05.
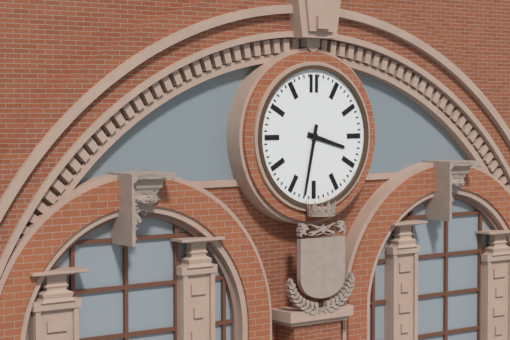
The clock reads 3,32
